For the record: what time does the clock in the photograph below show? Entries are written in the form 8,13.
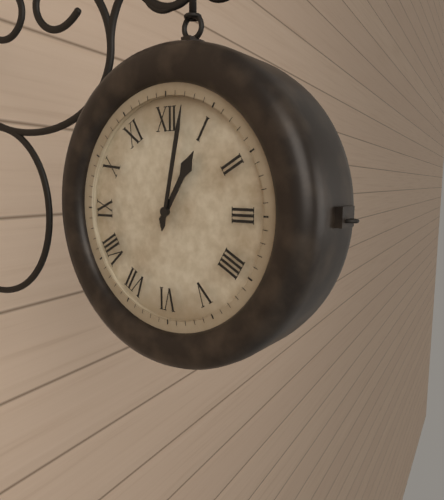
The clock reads 1,02
